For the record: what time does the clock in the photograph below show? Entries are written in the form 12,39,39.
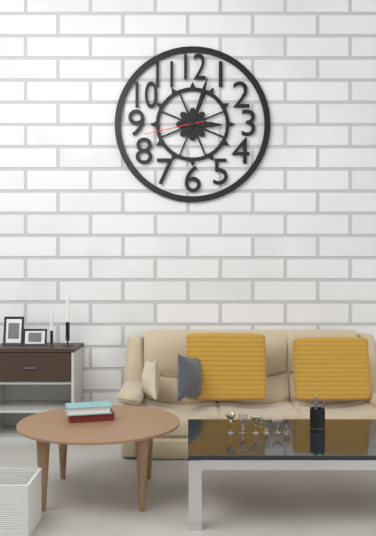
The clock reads 3,03,43
